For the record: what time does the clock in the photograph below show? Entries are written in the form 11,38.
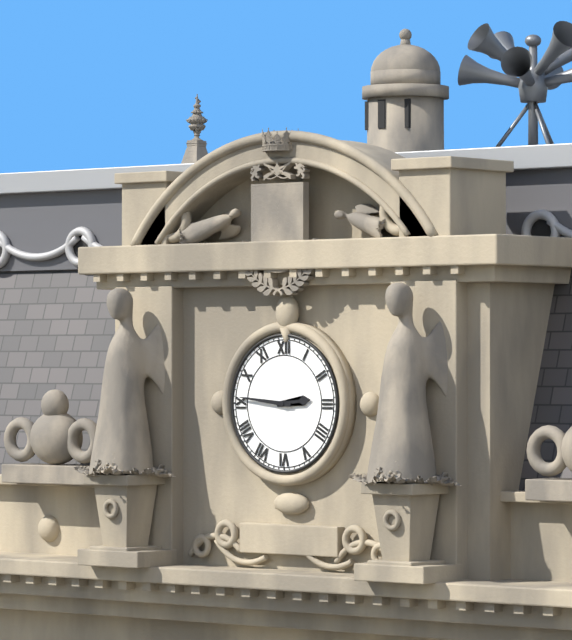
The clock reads 2,46
